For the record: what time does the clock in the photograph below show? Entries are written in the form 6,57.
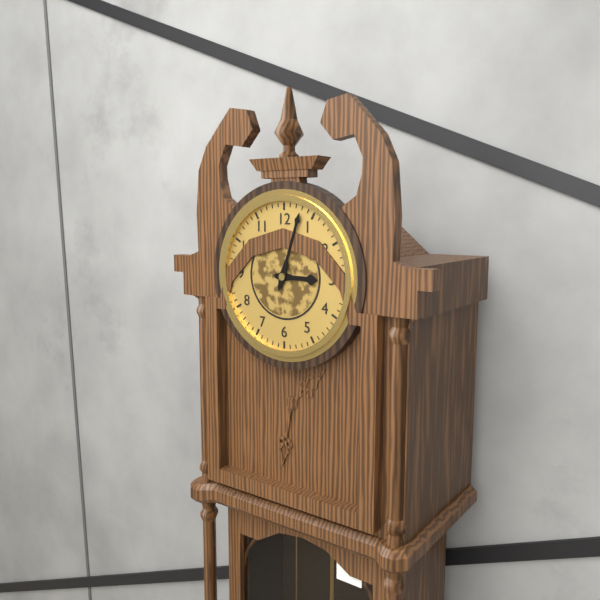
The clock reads 3,03
